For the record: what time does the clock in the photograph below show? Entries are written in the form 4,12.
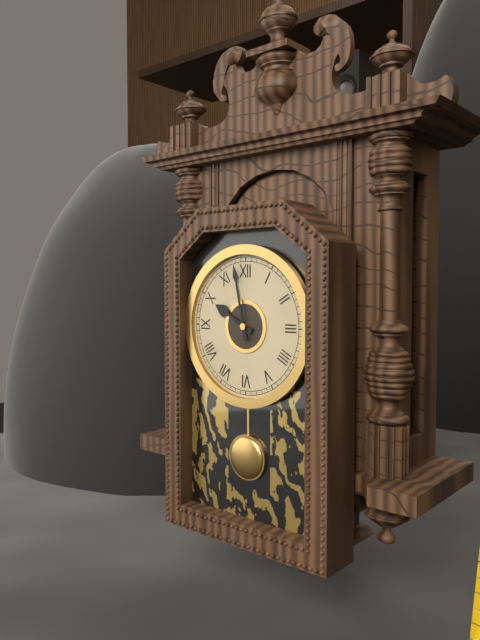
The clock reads 9,58
